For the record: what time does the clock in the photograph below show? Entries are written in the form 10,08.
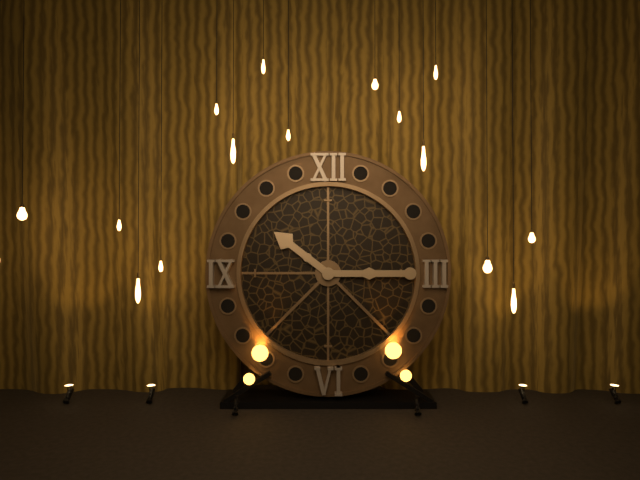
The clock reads 10,15
